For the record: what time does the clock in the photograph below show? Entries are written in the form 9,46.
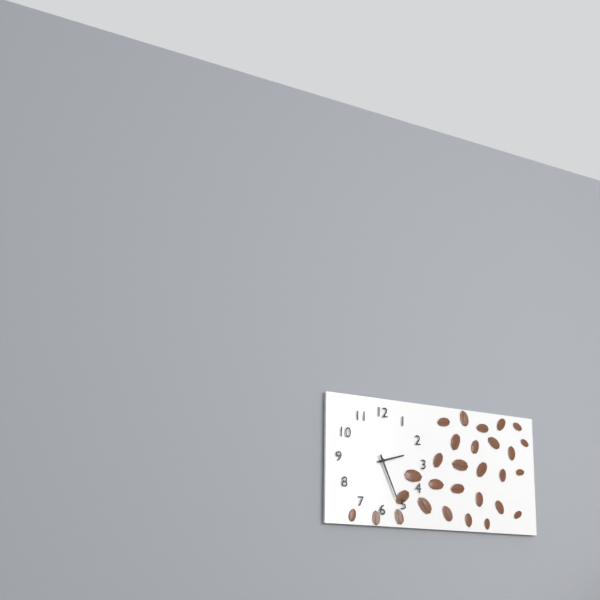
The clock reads 2,26
